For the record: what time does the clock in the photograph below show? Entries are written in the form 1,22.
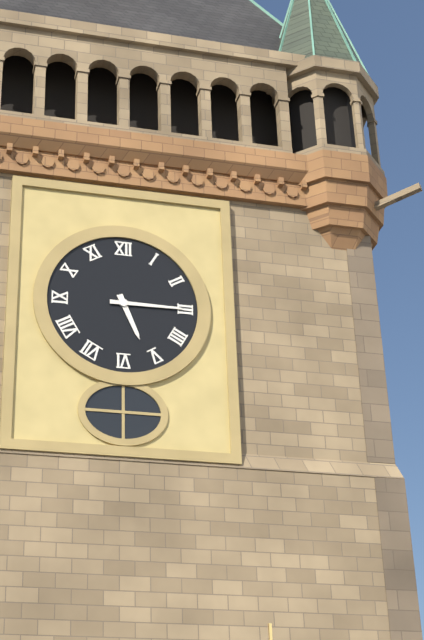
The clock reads 5,15
